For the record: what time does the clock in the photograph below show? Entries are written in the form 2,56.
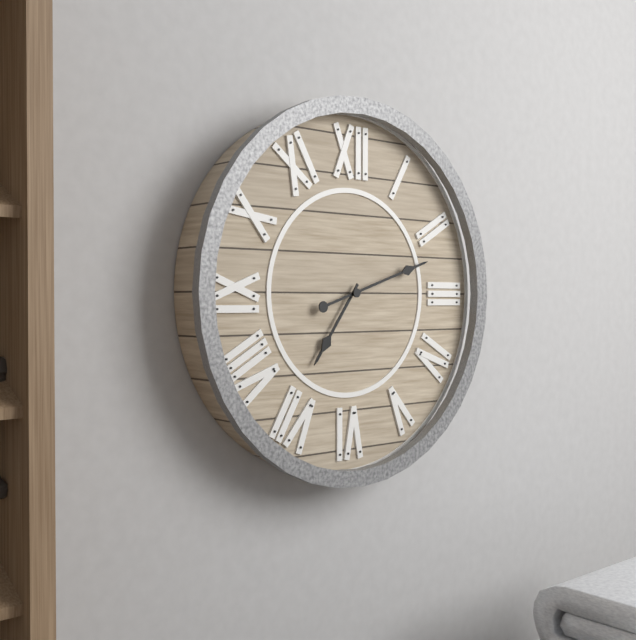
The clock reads 7,12
